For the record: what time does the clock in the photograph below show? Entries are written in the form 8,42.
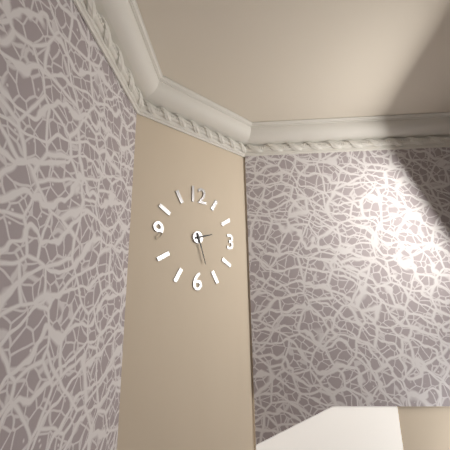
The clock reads 2,27
